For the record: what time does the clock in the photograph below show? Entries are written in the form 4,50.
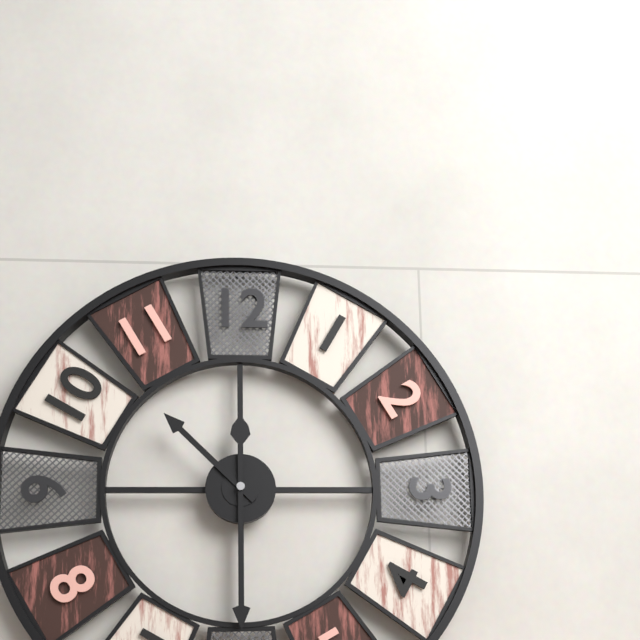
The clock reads 10,30
